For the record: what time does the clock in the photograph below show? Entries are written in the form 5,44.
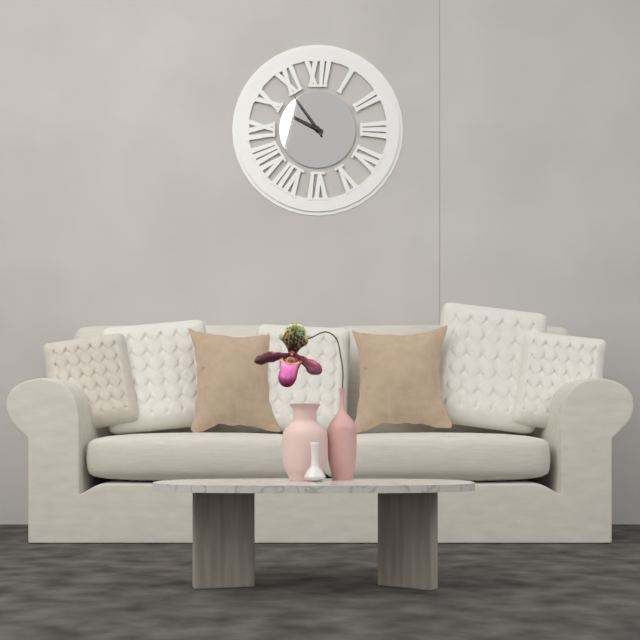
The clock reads 9,54
